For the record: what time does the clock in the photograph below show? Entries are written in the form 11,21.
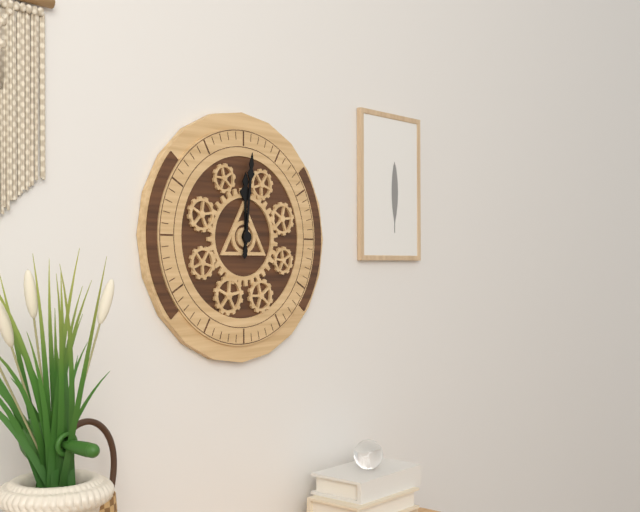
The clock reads 12,01
